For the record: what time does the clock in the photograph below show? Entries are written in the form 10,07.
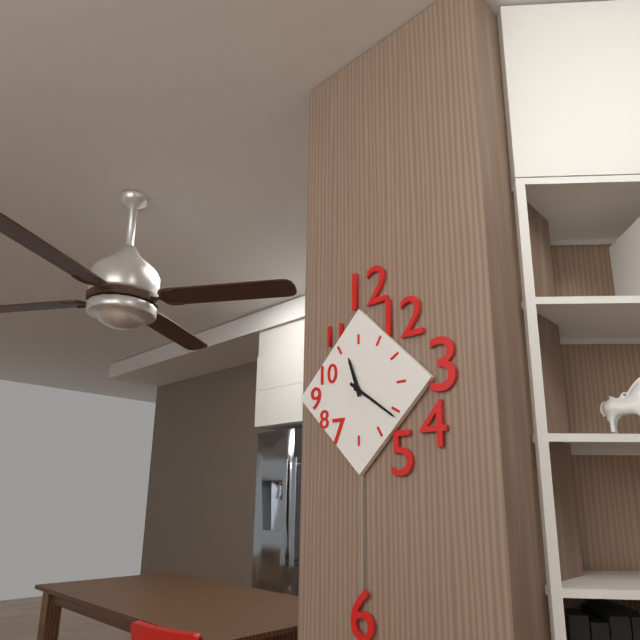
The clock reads 11,21
